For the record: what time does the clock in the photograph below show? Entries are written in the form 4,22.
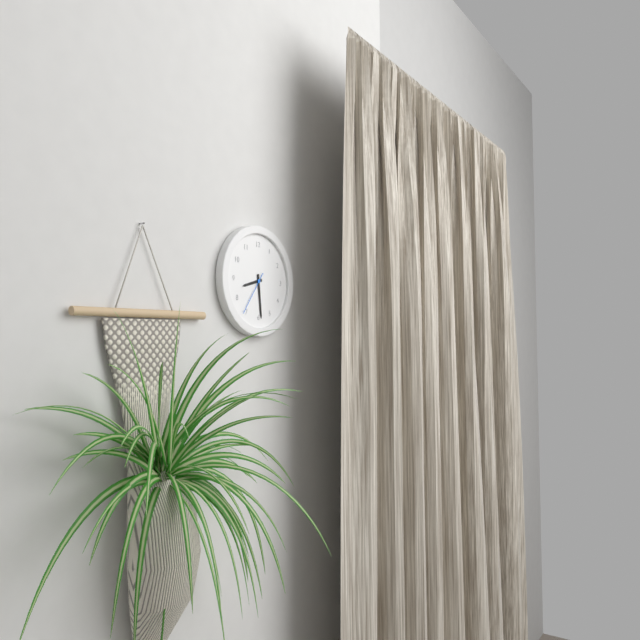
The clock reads 8,29
